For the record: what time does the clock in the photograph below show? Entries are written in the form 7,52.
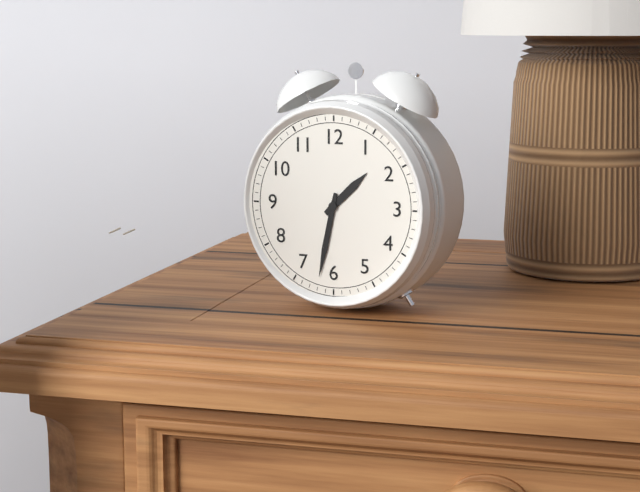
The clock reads 1,32
